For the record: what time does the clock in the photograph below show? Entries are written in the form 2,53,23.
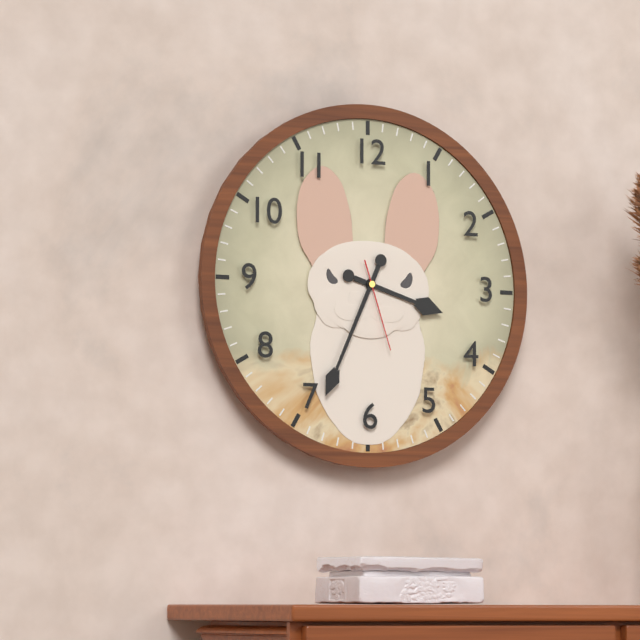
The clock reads 3,34,27
